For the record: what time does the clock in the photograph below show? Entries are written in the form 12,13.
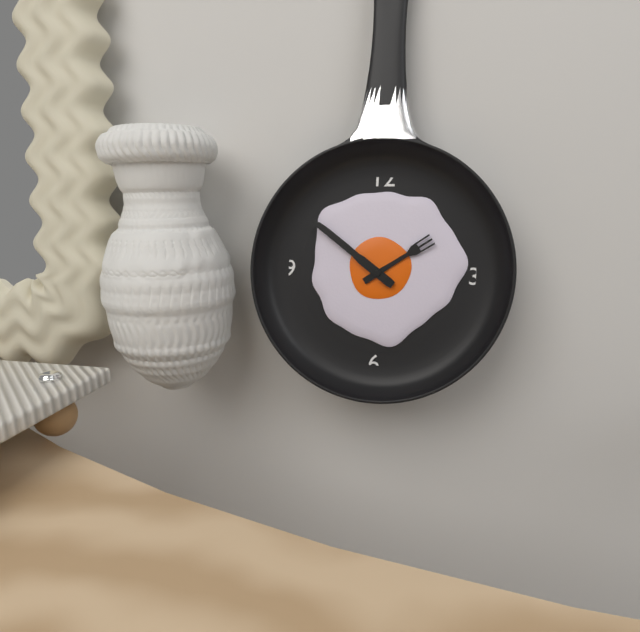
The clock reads 1,51
